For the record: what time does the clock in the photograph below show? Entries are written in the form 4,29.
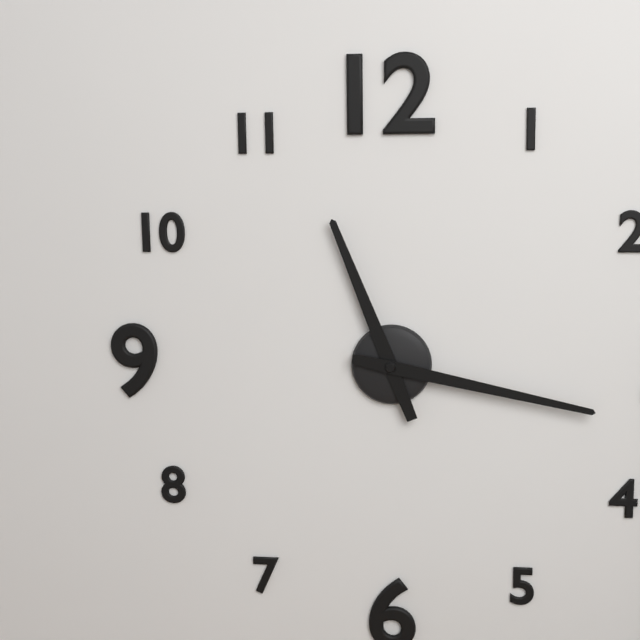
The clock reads 11,17
